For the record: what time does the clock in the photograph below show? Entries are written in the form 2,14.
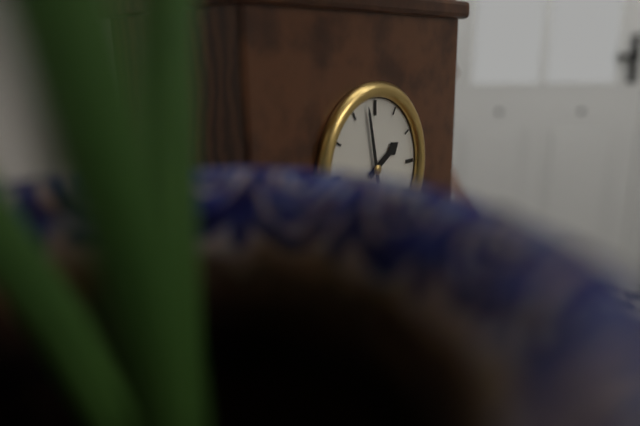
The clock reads 1,58
